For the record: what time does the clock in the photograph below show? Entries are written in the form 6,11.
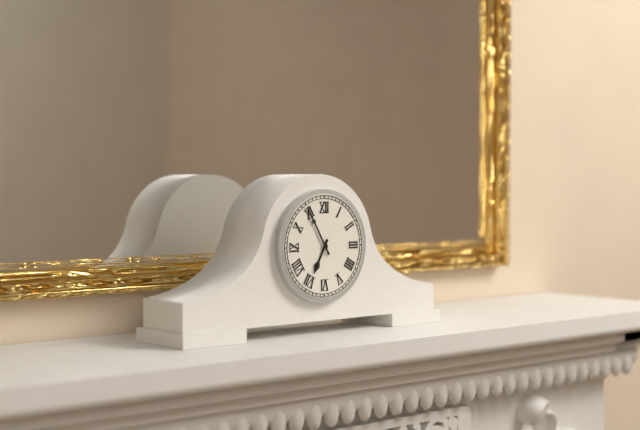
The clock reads 6,55
